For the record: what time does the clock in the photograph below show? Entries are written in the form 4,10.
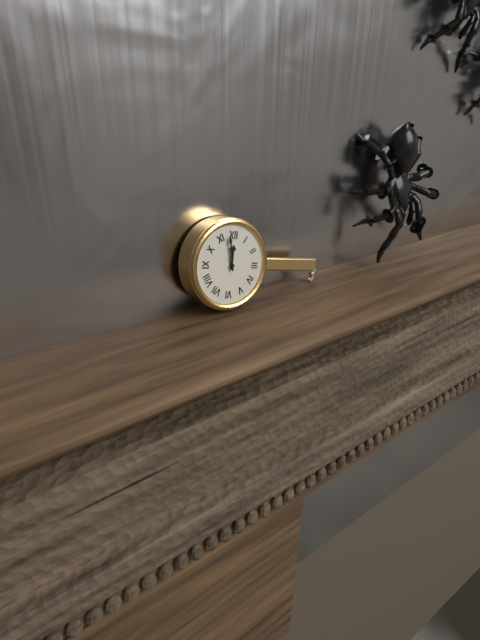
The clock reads 11,58
